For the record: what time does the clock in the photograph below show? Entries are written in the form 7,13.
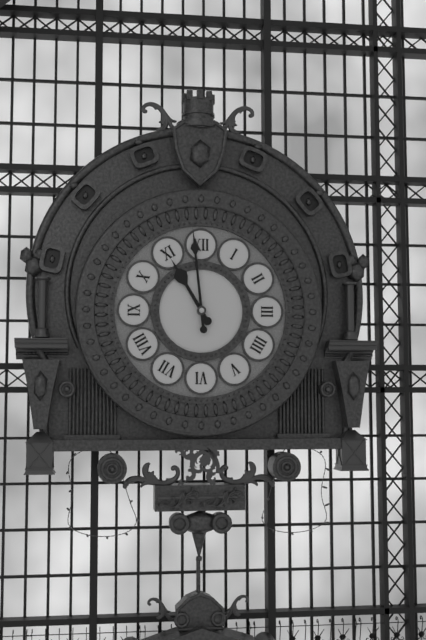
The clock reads 10,59
